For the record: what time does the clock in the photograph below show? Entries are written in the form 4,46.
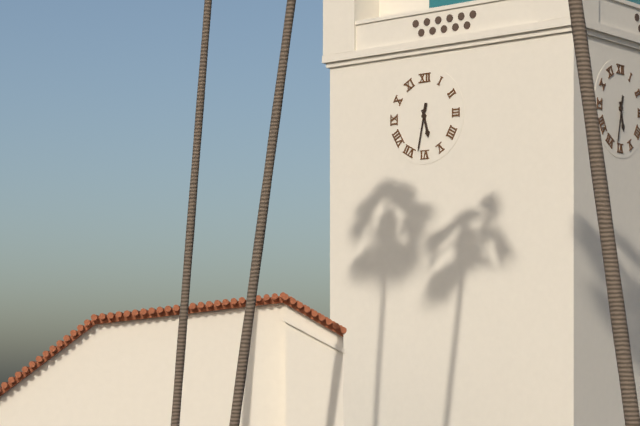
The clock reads 5,32
